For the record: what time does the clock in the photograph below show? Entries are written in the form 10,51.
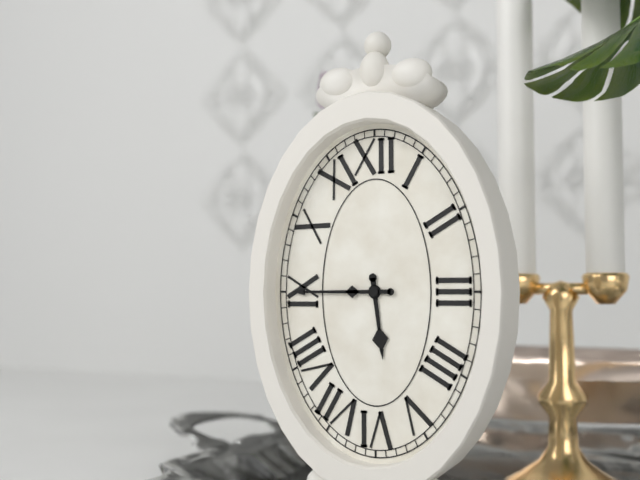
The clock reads 5,45
